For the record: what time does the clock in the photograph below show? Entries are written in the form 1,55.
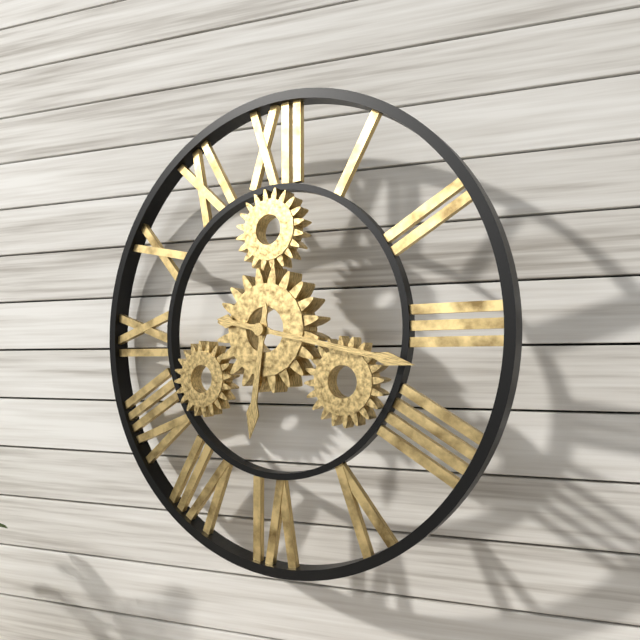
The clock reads 6,17
